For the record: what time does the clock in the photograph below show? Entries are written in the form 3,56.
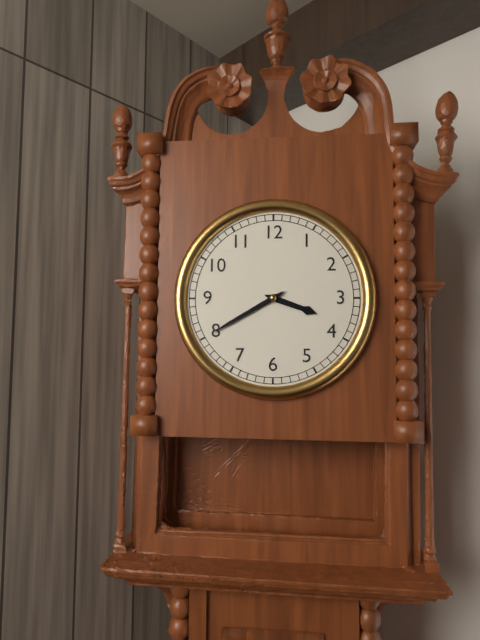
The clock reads 3,40
